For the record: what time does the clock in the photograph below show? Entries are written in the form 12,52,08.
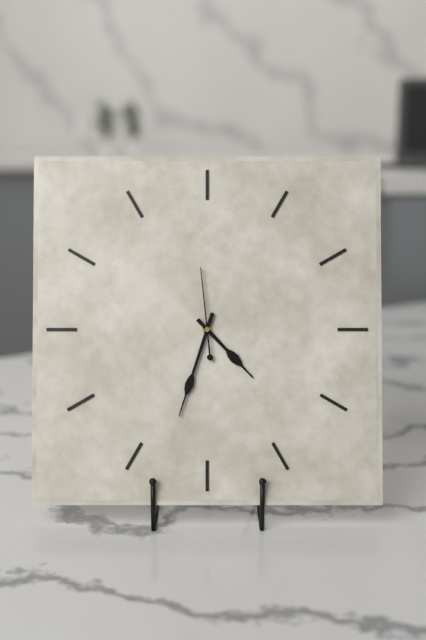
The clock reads 4,33,59
